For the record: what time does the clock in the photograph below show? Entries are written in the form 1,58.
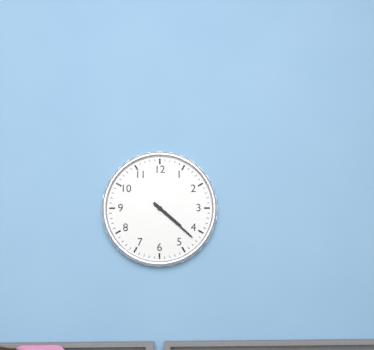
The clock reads 4,22
